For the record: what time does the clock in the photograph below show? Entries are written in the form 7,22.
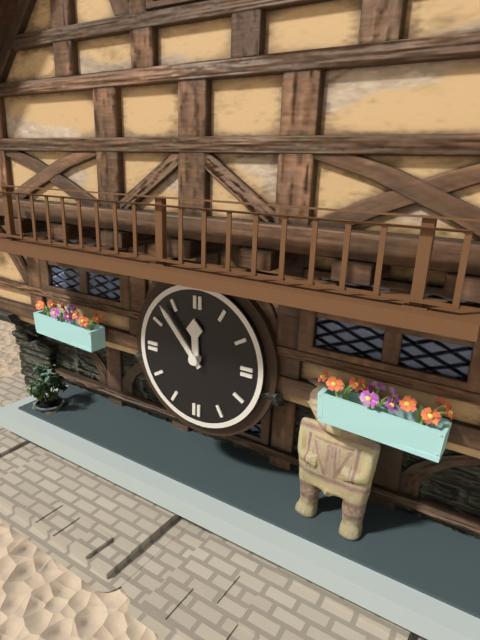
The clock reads 11,53
